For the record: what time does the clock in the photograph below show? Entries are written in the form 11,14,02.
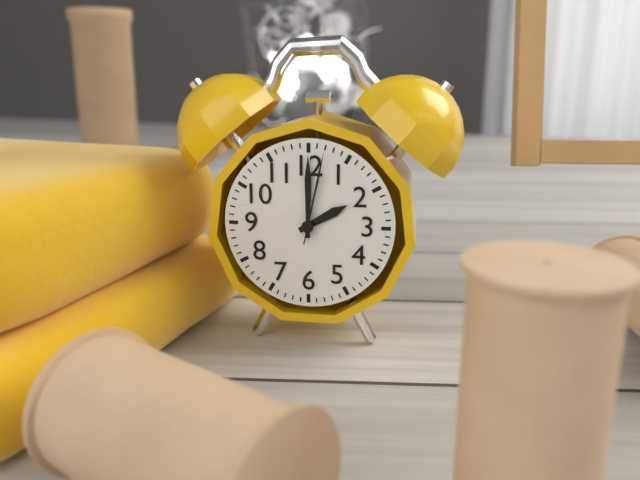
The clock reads 2,00,02
